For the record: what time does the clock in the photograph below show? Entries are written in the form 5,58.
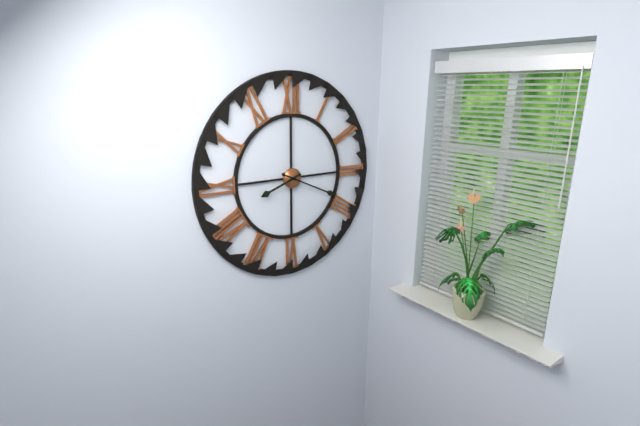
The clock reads 8,19
